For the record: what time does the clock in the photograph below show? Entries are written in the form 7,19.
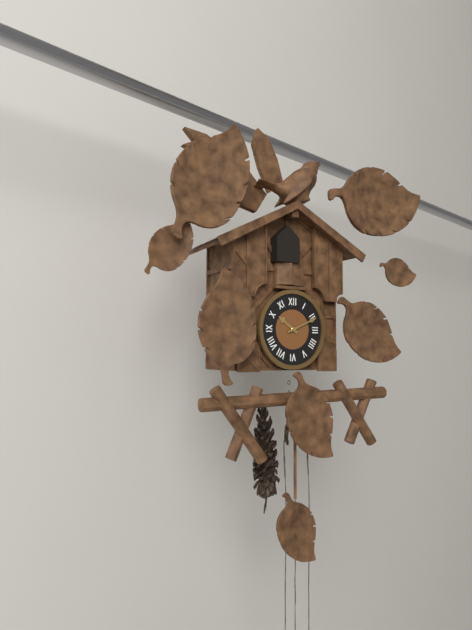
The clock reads 10,11
